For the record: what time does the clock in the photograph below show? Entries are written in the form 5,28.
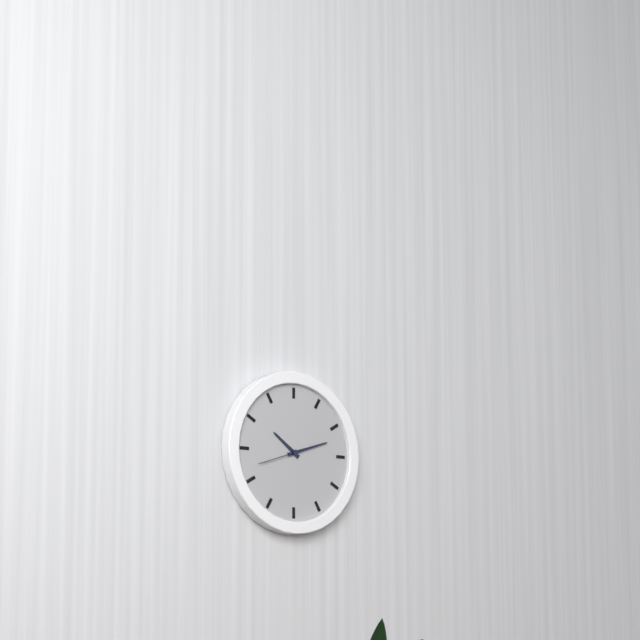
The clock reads 10,12
